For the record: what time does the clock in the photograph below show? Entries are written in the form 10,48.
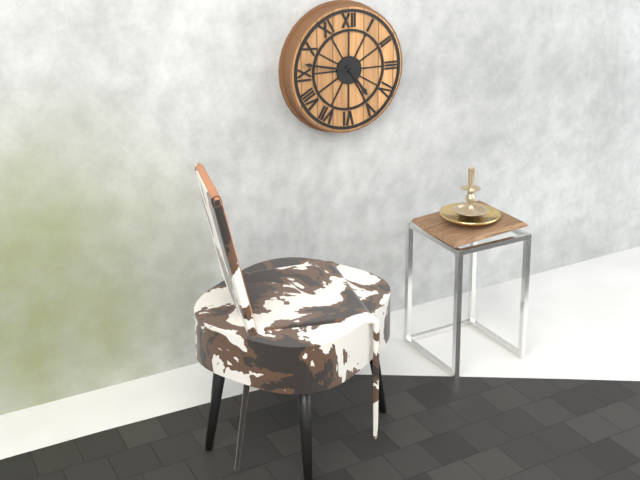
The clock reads 4,47
